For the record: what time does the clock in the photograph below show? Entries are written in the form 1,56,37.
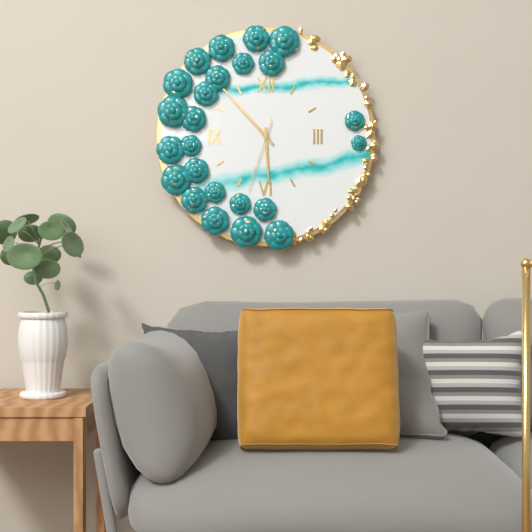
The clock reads 5,53,33
